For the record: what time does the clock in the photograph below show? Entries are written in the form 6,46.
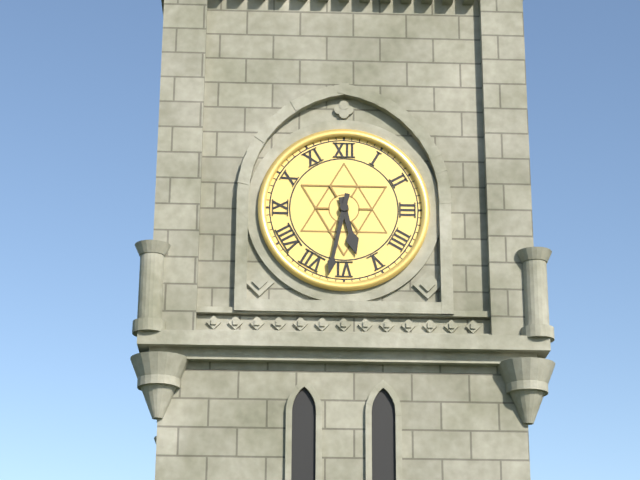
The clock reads 5,32
